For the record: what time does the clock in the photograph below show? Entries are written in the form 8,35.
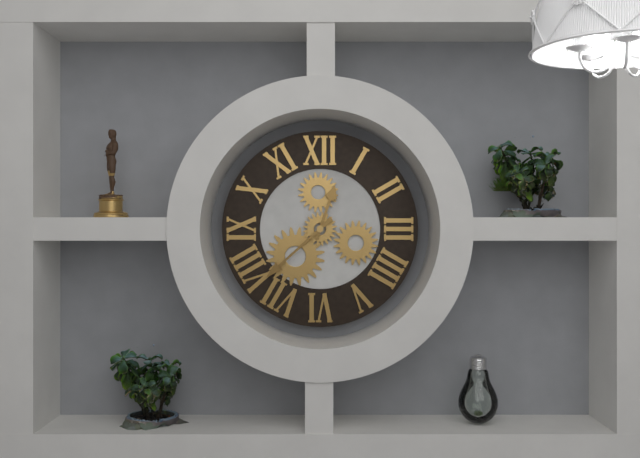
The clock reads 12,38
